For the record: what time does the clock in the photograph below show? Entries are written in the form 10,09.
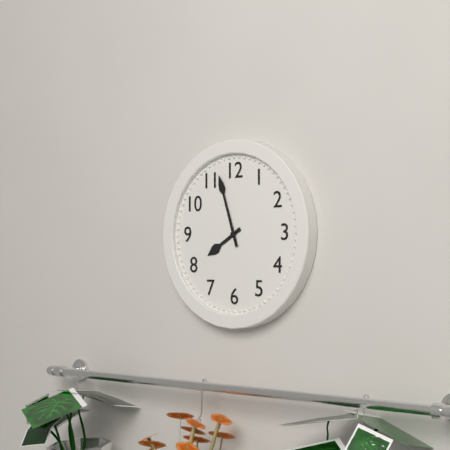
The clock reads 7,57
